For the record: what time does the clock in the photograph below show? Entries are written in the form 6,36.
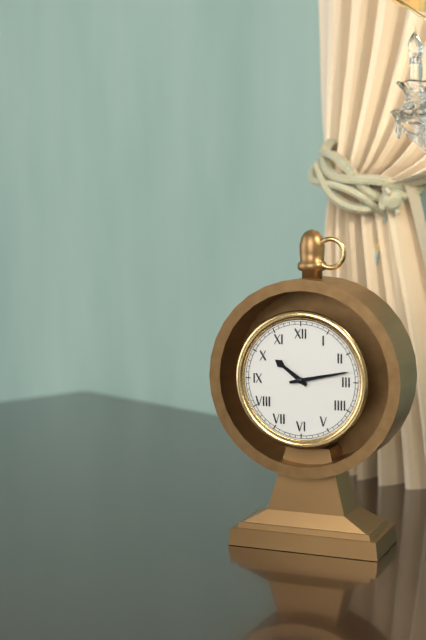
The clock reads 10,13
